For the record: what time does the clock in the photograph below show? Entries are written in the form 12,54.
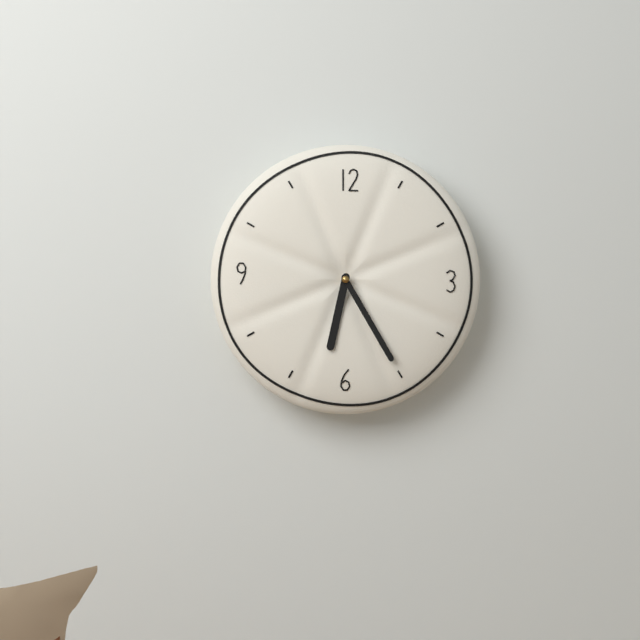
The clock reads 6,25
